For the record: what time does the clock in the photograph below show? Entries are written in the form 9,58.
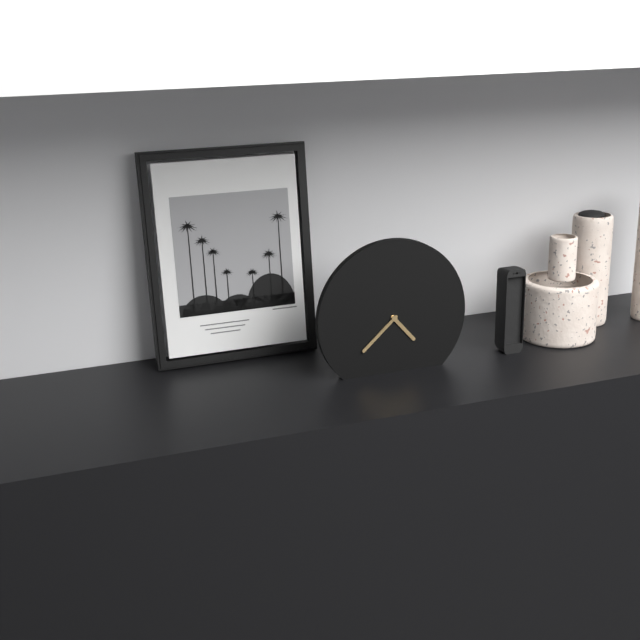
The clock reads 4,38
